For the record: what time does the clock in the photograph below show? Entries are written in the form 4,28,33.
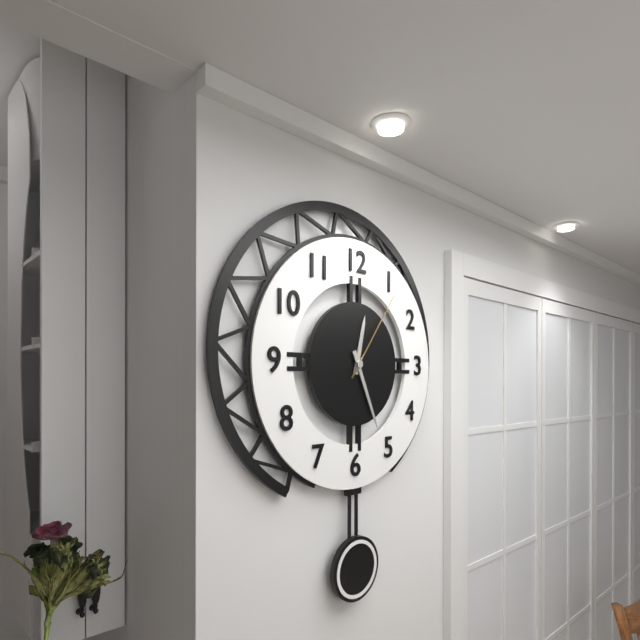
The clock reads 12,26,06
